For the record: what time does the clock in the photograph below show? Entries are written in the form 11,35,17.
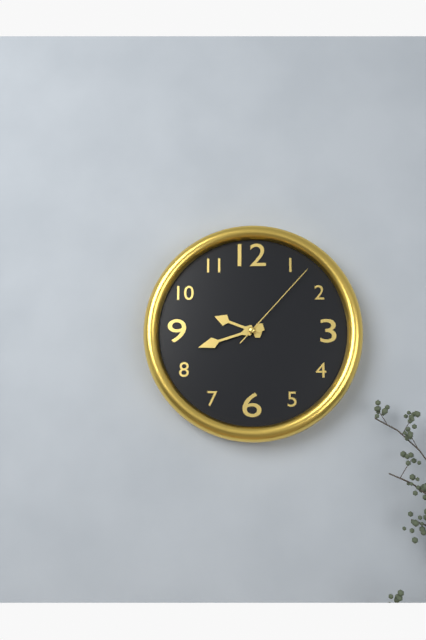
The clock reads 9,42,07
